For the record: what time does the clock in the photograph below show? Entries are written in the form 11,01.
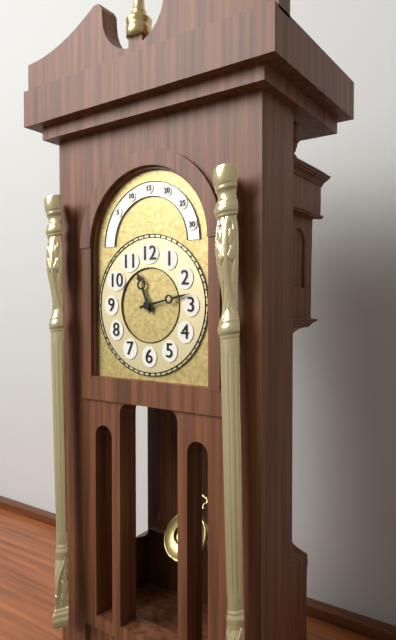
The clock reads 11,13
